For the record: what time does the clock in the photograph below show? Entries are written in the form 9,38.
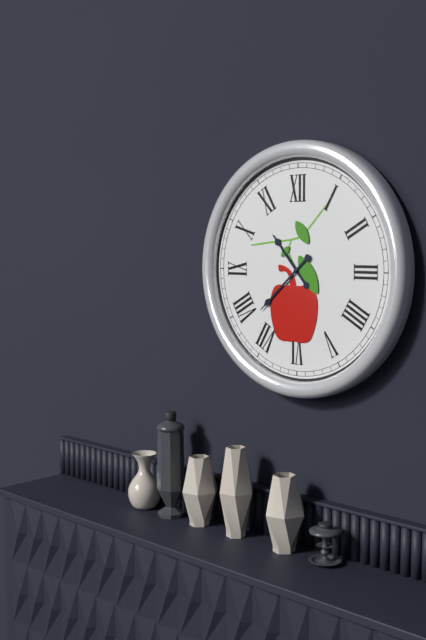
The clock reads 10,38
